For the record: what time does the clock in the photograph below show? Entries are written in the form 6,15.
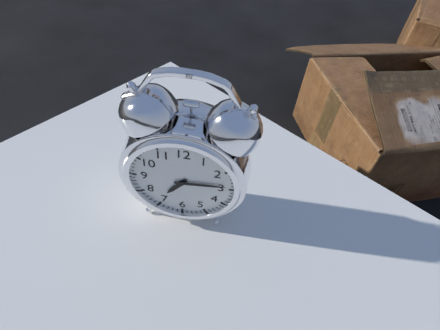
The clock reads 7,14
